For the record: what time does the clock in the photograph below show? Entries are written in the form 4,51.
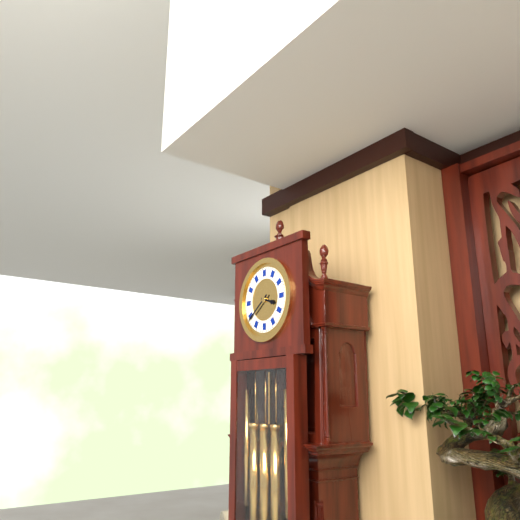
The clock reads 3,39
